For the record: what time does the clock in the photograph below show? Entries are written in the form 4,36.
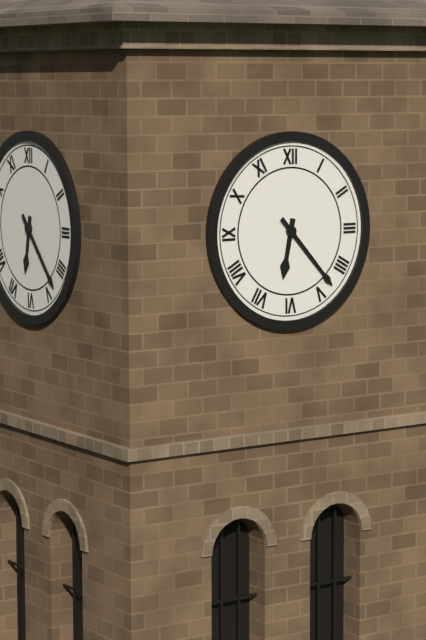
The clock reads 6,23
